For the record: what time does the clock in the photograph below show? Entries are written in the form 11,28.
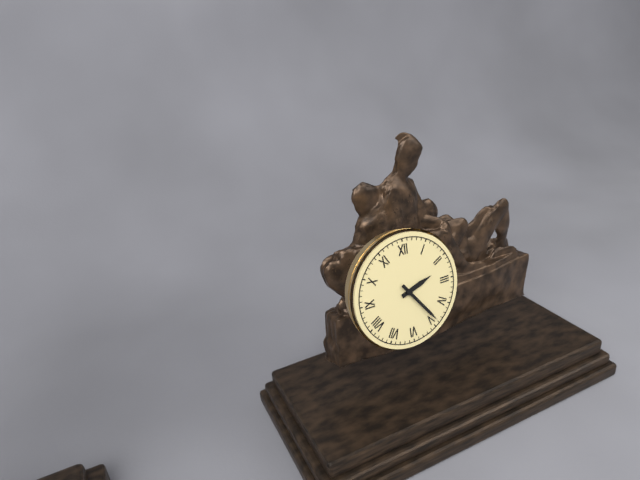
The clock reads 2,24
